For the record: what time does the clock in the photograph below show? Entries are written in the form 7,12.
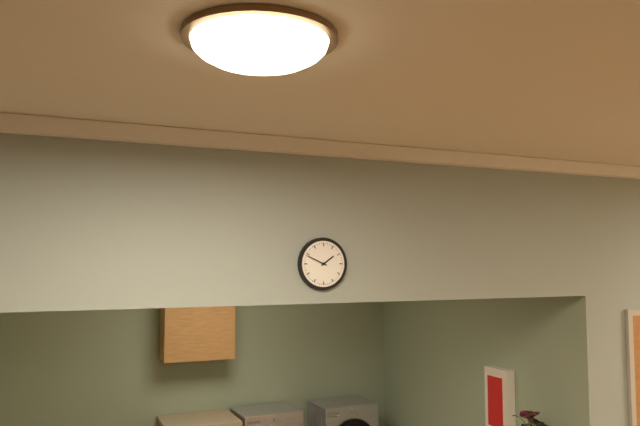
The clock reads 1,49
